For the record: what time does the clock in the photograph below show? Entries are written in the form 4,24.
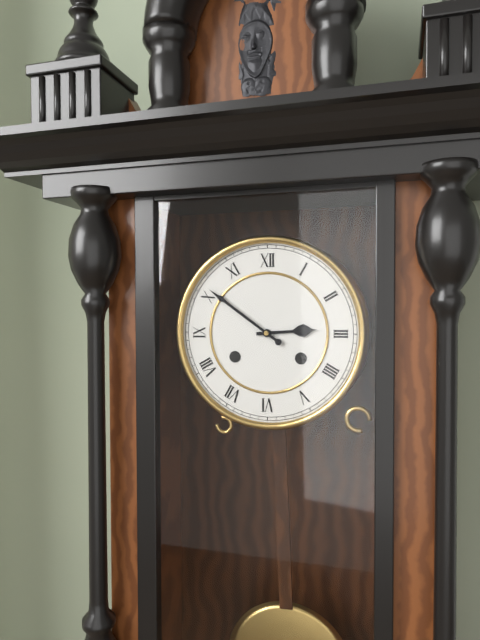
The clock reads 2,51
